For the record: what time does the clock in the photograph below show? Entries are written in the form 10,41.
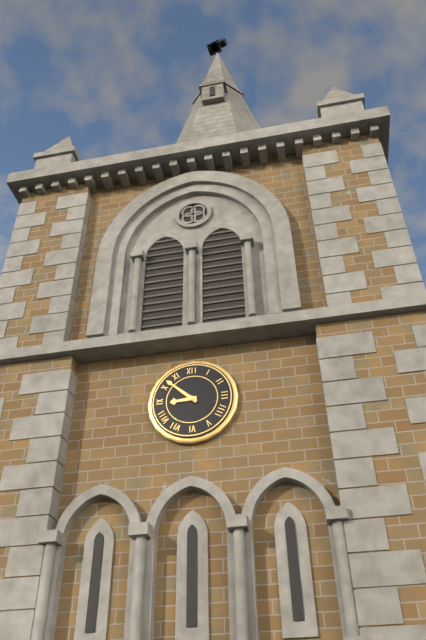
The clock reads 8,52
